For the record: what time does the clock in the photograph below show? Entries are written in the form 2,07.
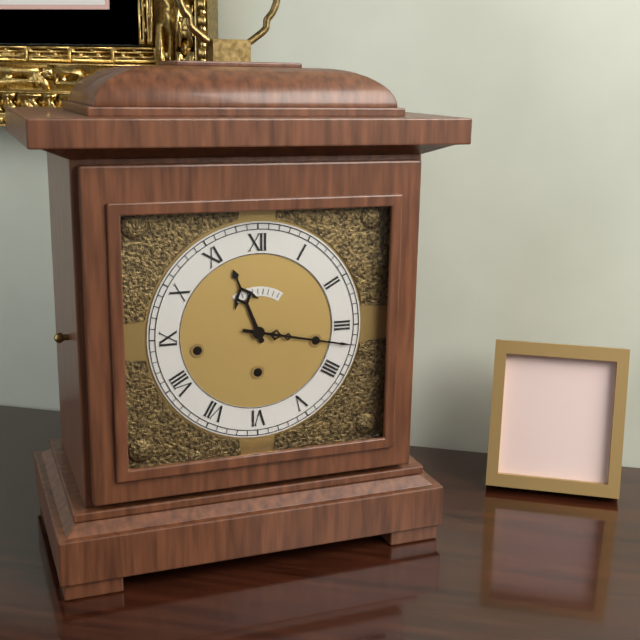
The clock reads 11,17
